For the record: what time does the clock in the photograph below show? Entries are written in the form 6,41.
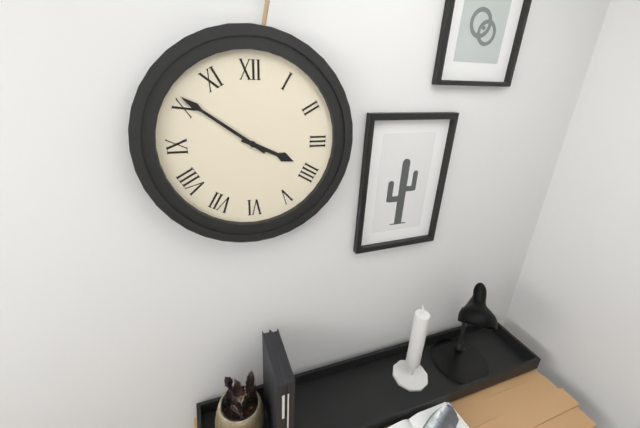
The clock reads 3,51
